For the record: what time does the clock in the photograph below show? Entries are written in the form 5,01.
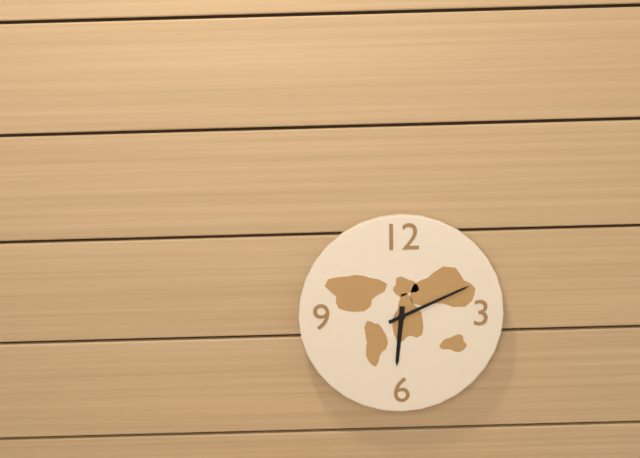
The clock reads 6,11
